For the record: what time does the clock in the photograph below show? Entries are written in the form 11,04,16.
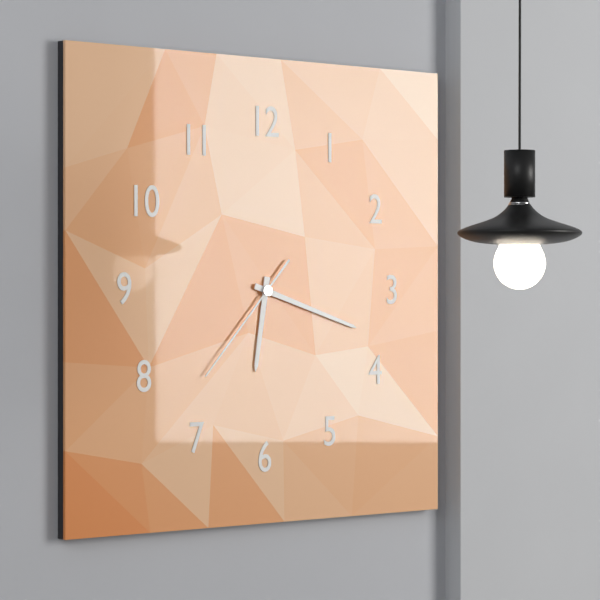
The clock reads 6,18,37
